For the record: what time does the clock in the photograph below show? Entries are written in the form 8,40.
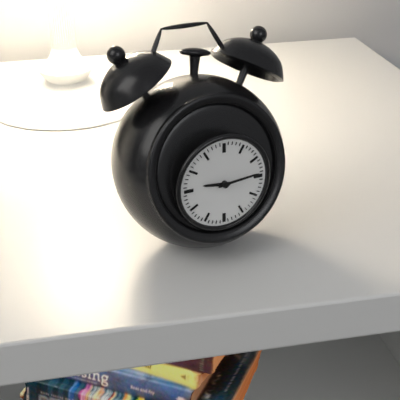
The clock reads 9,14
